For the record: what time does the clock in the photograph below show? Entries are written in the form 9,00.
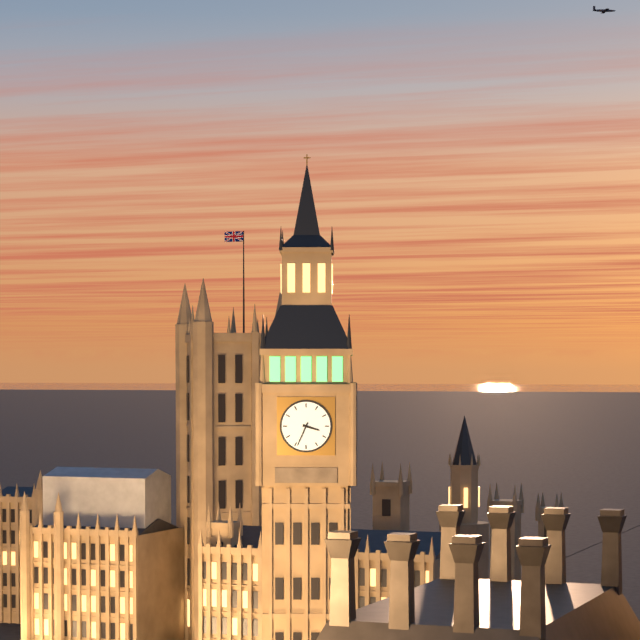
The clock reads 3,34
